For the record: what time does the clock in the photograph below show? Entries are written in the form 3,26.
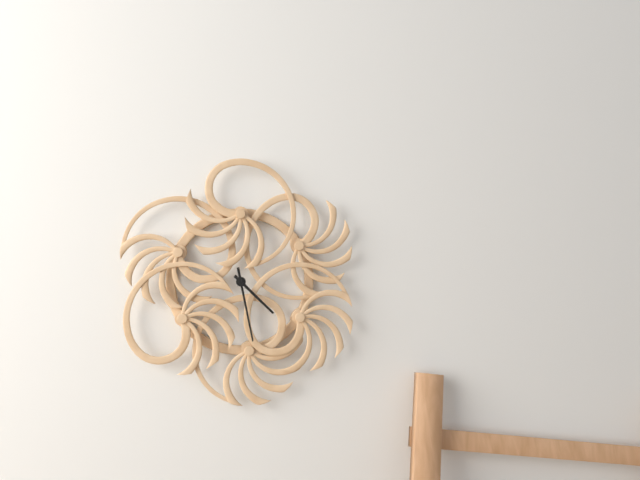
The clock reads 4,28
